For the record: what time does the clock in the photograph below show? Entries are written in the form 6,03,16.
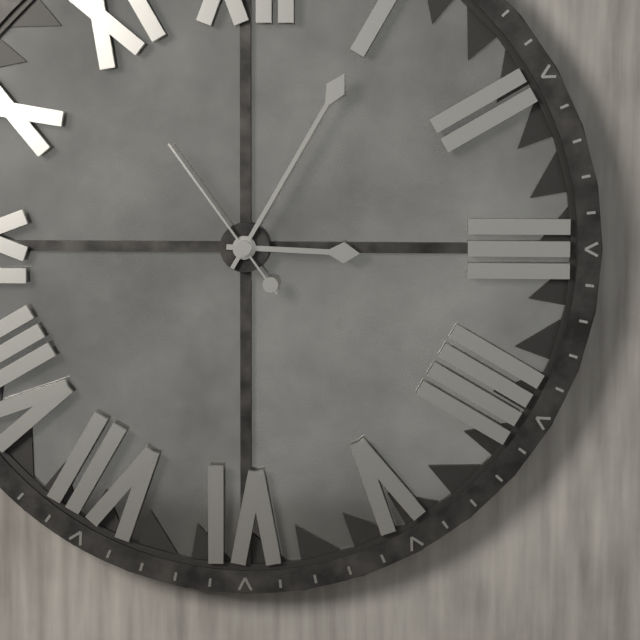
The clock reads 3,05,54
